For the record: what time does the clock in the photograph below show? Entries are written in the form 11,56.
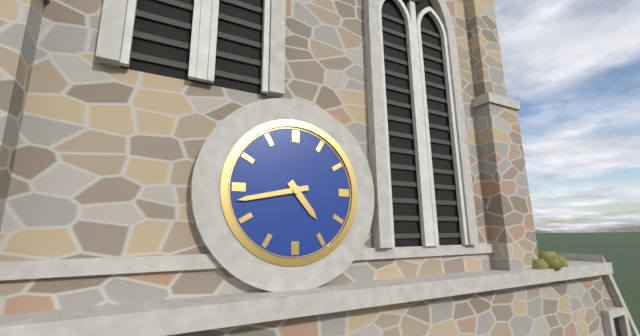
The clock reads 4,43
